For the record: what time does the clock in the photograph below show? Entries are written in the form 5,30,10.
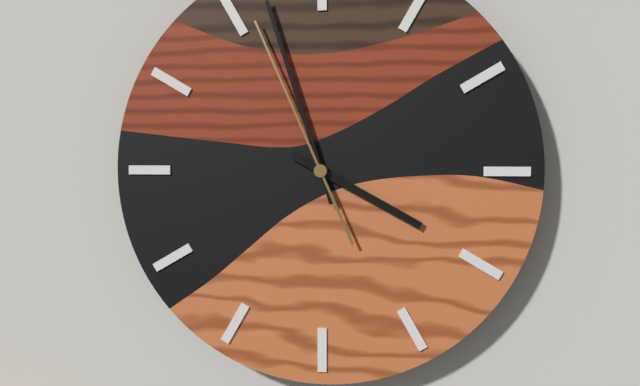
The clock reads 3,57,56
